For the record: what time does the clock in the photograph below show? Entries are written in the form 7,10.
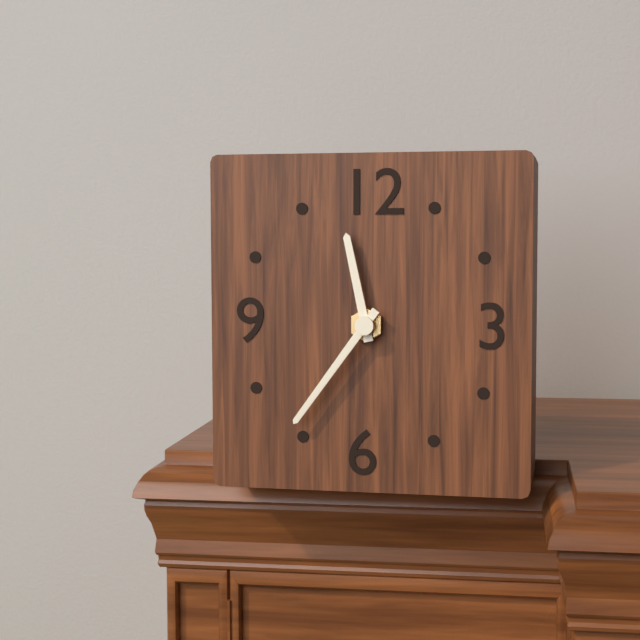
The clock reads 11,36
